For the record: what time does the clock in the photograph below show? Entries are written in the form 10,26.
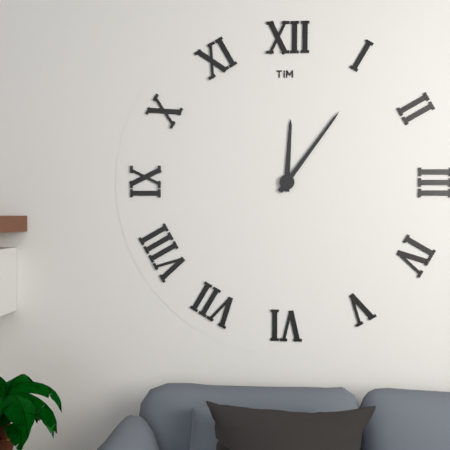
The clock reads 12,06
